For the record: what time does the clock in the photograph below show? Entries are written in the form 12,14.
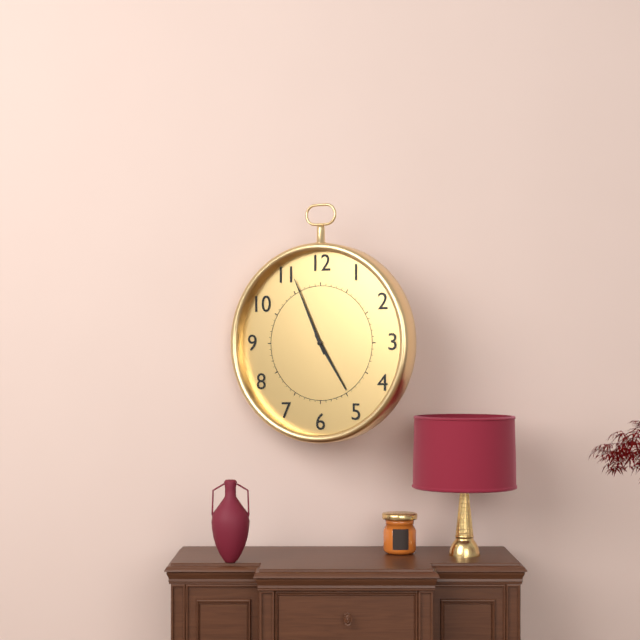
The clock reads 4,56
